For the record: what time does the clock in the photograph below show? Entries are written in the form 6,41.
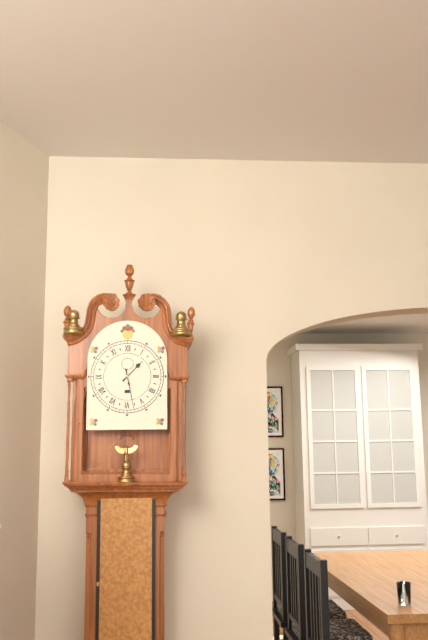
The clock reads 1,28
